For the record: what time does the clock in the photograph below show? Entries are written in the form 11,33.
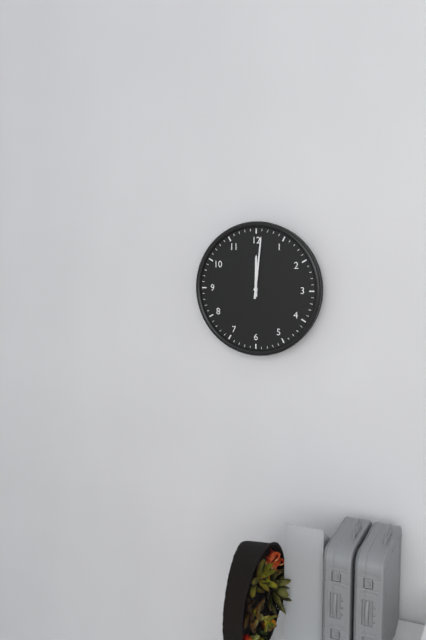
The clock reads 12,01
